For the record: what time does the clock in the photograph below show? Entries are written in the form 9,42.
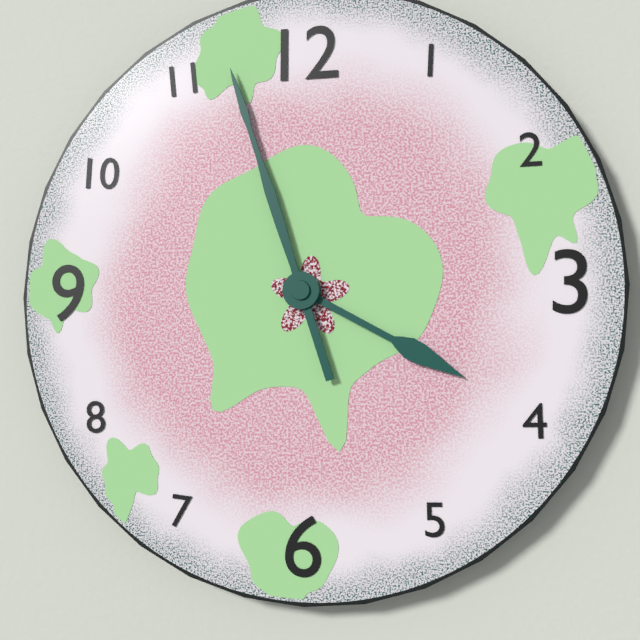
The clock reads 3,57
